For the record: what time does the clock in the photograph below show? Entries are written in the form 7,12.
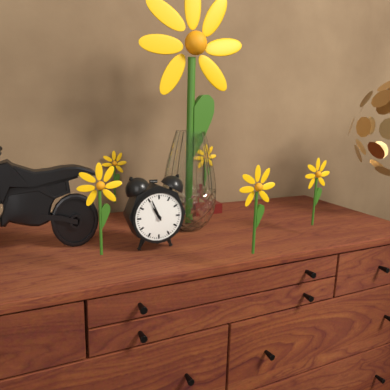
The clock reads 10,56
